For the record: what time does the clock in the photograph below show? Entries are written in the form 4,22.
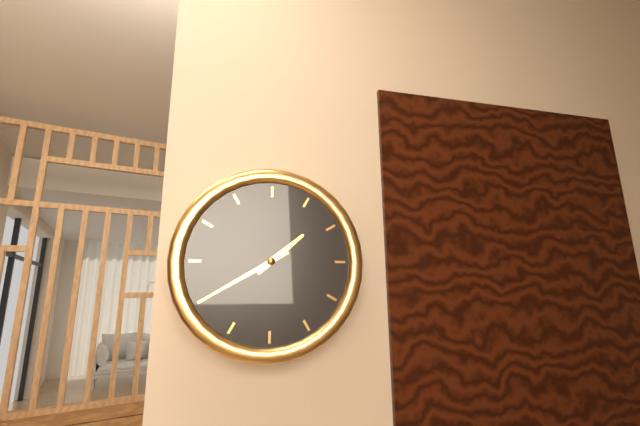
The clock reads 1,40
